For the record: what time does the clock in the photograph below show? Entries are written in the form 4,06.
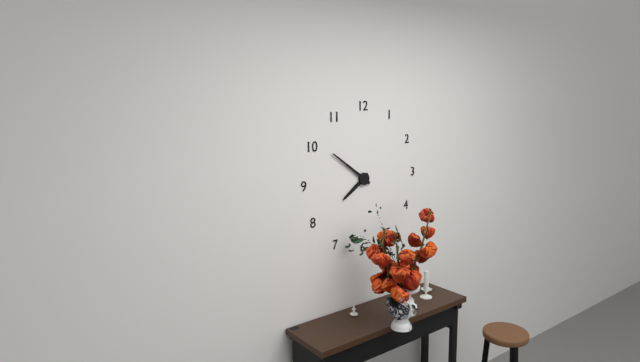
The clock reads 7,51
